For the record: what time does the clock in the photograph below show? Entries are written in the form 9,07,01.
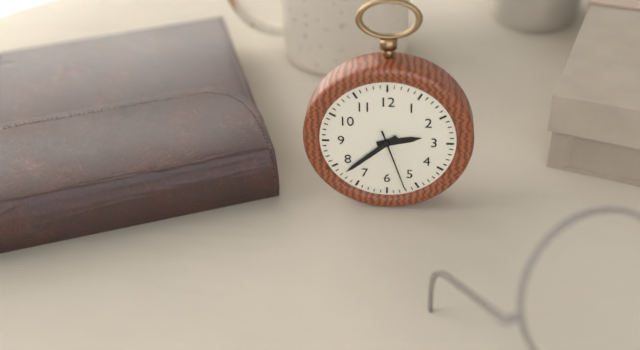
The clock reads 2,38,27
